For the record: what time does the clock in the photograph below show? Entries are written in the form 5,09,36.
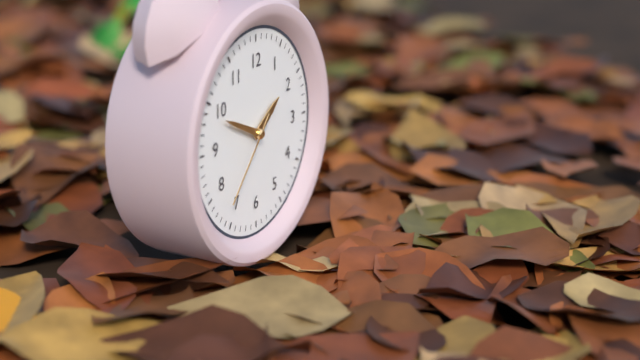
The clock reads 1,49,37
